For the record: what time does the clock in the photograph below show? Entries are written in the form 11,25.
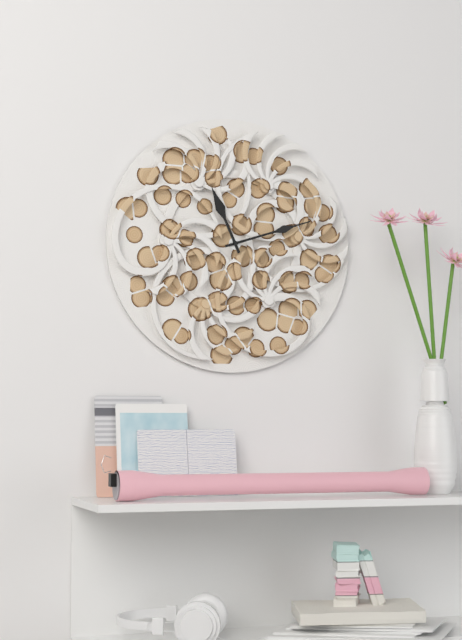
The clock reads 11,12
